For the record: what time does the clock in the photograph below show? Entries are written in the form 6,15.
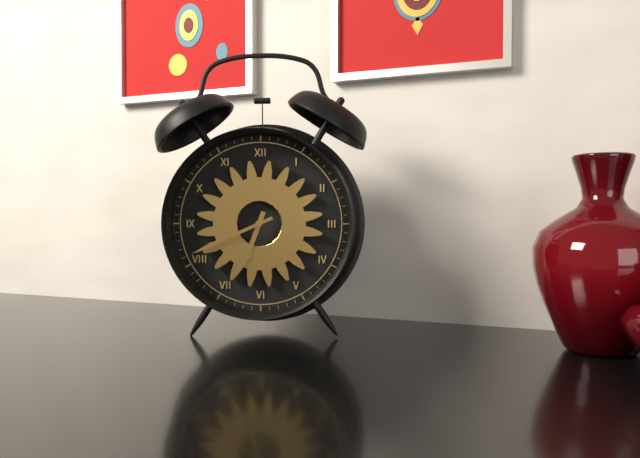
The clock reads 6,41
